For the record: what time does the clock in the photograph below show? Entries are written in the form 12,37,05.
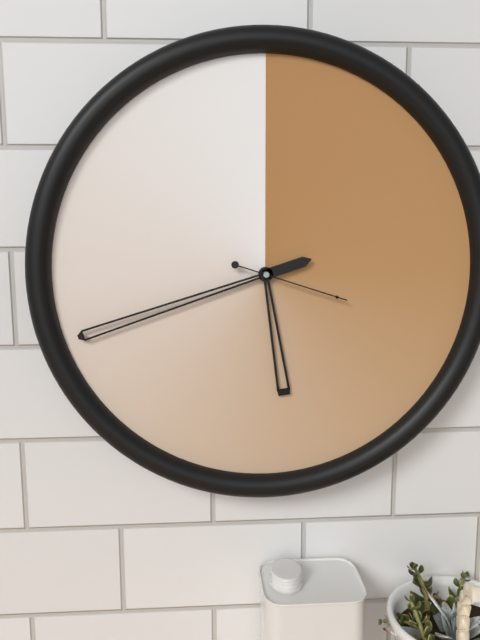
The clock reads 5,42,18
